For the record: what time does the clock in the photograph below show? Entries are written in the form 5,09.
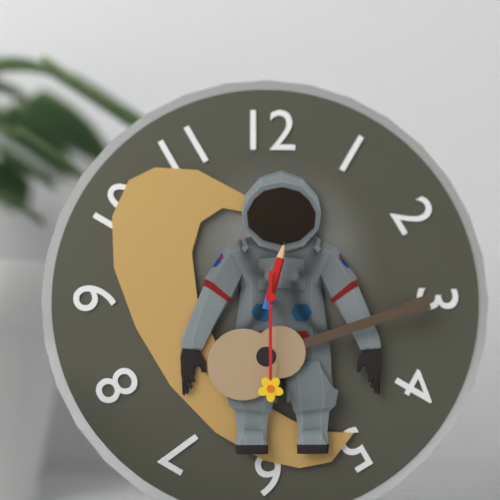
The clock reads 12,30
